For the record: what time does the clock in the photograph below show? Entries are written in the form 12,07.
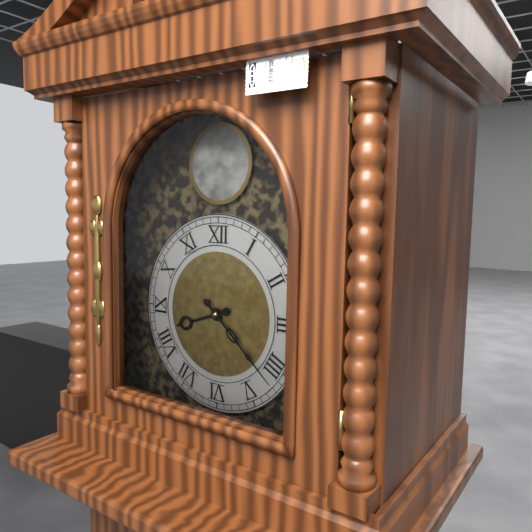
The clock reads 8,22
